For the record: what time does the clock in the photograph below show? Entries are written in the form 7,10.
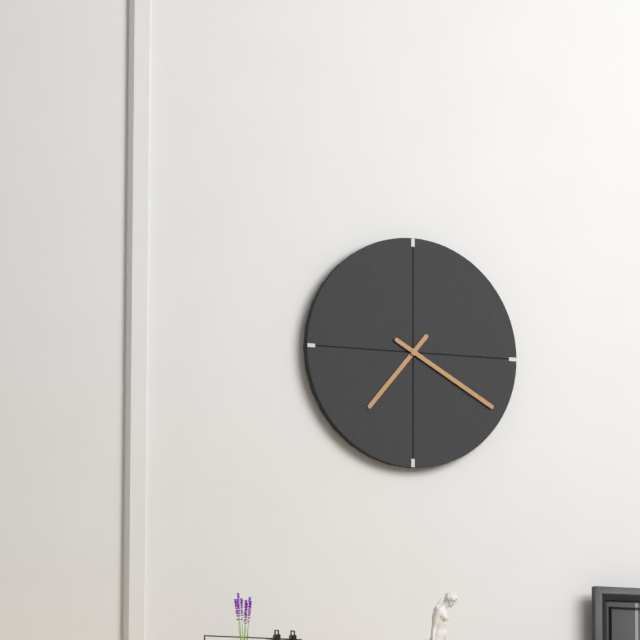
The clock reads 7,20
